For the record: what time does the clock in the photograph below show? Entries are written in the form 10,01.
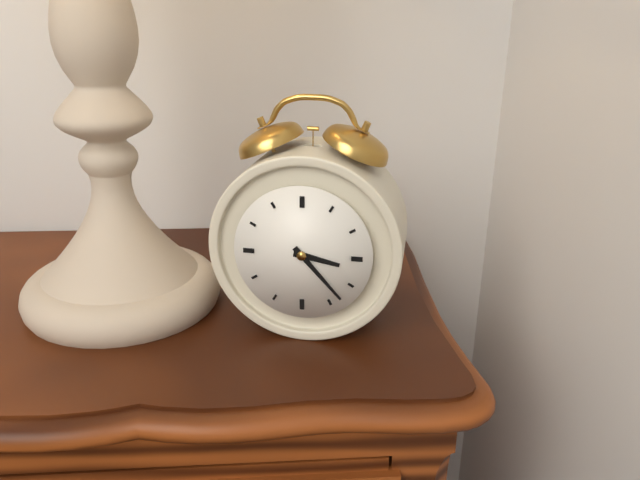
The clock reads 3,23
